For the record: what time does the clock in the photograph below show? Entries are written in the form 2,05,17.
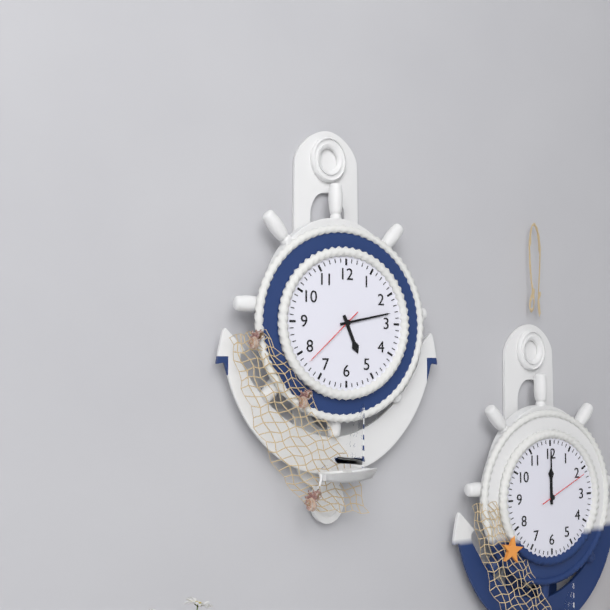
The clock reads 5,13,38
